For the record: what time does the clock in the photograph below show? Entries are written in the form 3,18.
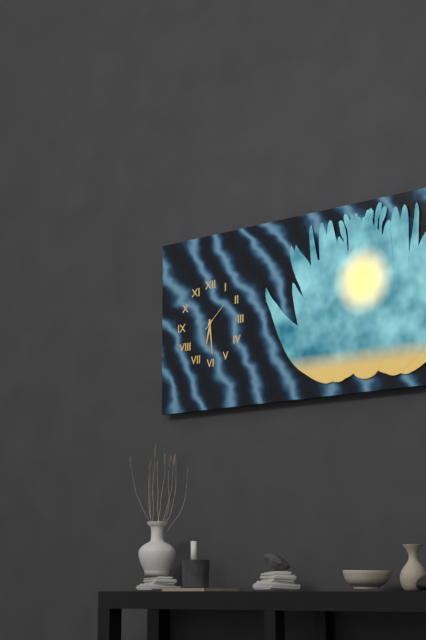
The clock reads 6,29
